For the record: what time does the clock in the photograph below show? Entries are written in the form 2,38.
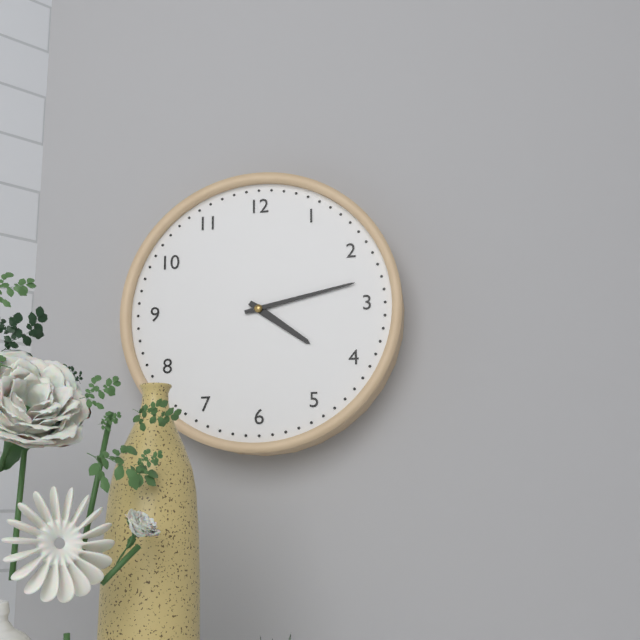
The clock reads 4,13
